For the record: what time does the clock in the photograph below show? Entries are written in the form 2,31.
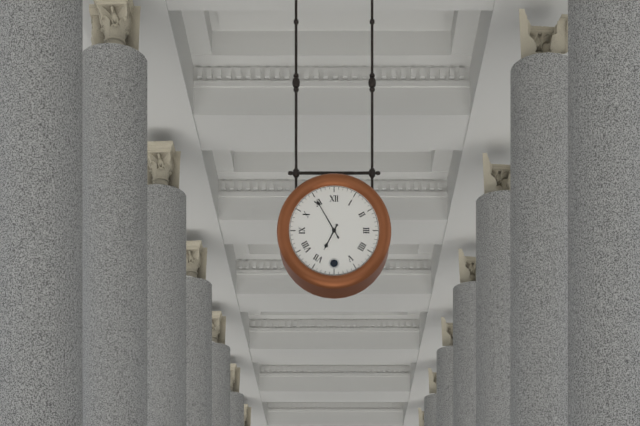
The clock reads 6,55
